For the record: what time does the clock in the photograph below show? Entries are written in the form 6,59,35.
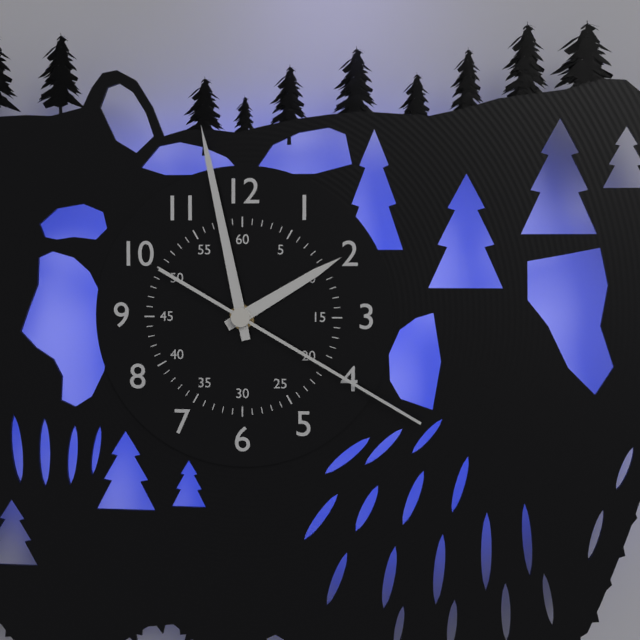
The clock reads 1,58,20
